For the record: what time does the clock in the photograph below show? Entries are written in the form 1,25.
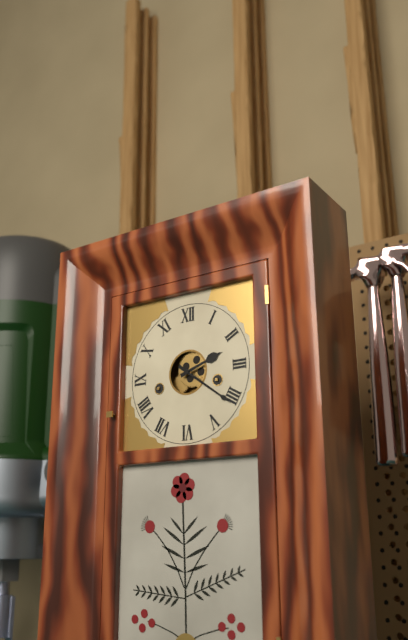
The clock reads 2,21
